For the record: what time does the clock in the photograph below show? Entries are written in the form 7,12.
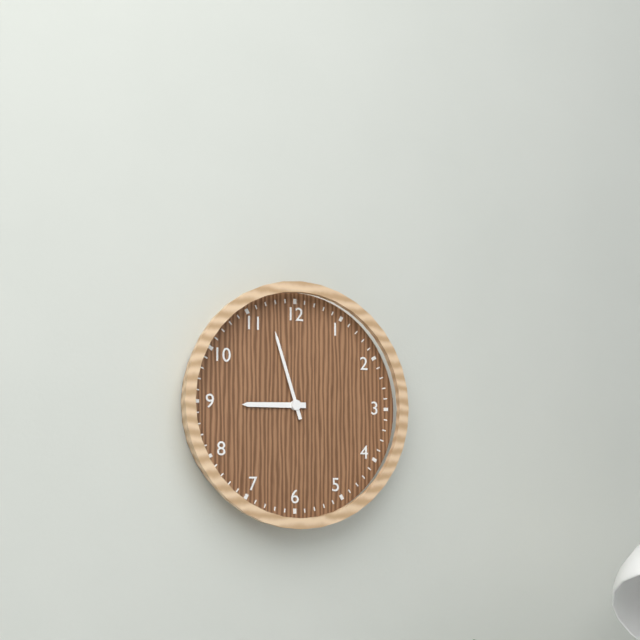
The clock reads 8,57
